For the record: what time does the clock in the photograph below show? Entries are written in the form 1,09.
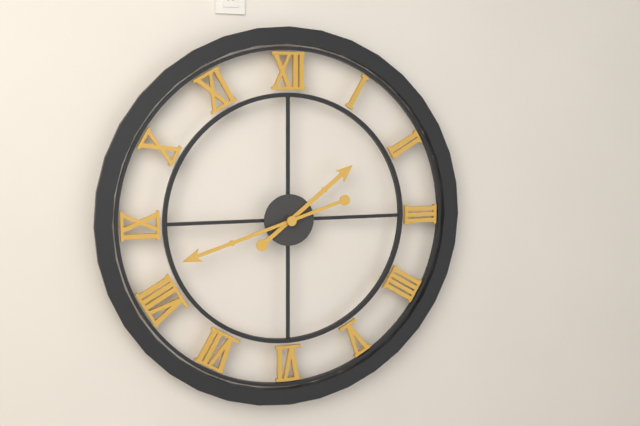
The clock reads 1,42
